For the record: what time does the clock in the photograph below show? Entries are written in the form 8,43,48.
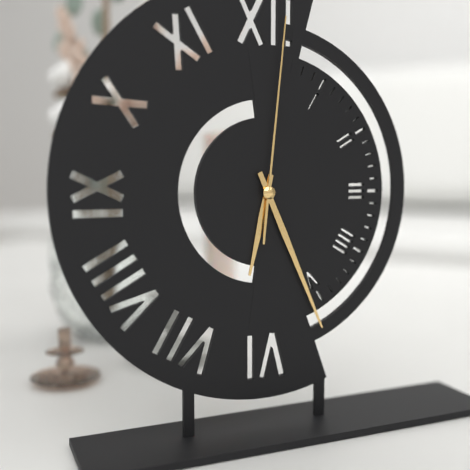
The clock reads 6,26,01
